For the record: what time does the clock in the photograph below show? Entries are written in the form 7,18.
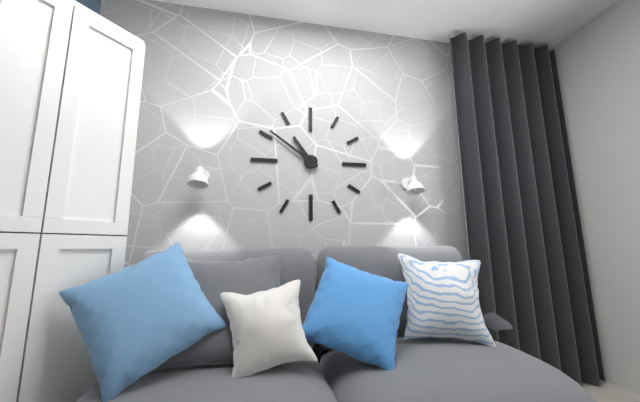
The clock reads 10,51
